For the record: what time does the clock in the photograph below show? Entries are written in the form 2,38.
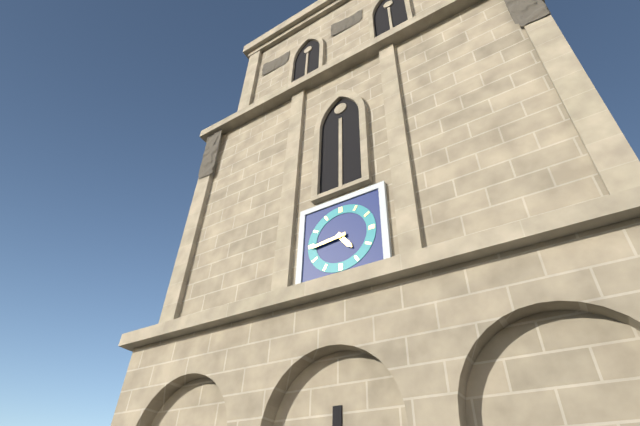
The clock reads 4,44
